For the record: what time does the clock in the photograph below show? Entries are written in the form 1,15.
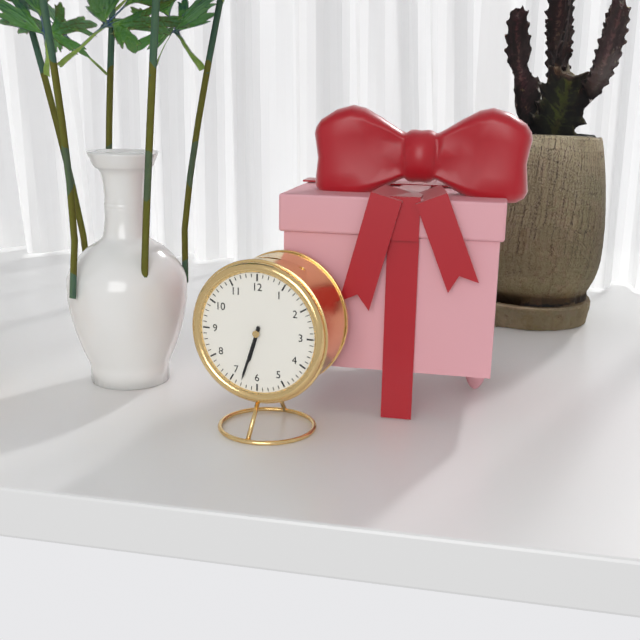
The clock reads 6,33
